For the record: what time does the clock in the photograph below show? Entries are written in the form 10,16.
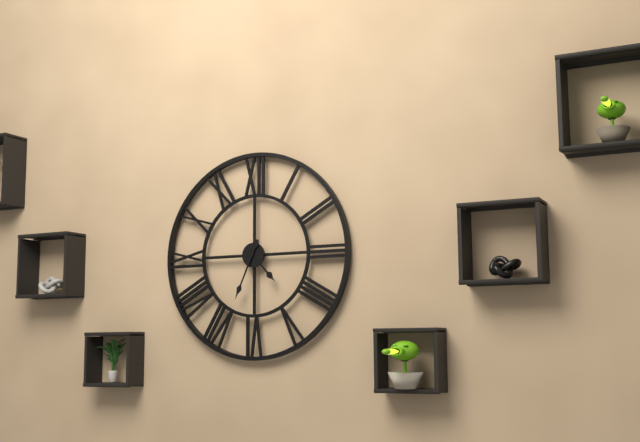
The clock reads 4,34
